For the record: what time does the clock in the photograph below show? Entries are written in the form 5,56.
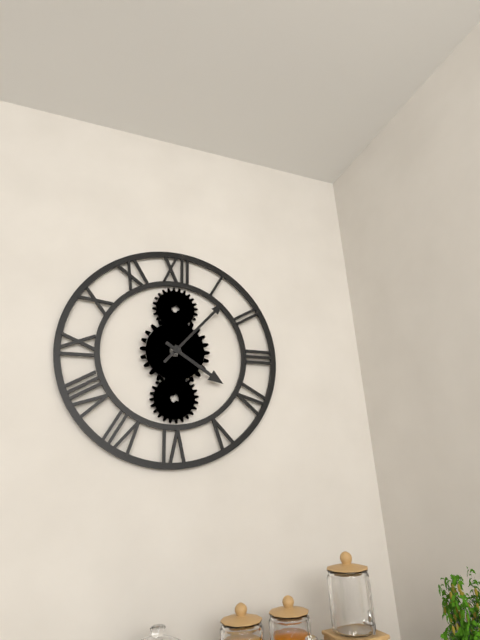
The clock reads 4,07
